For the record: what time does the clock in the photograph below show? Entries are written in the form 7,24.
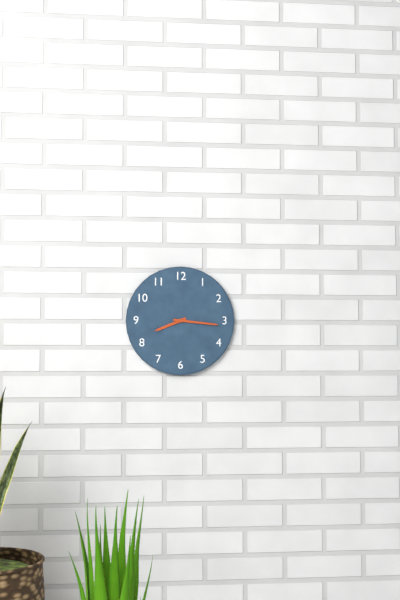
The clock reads 8,16
